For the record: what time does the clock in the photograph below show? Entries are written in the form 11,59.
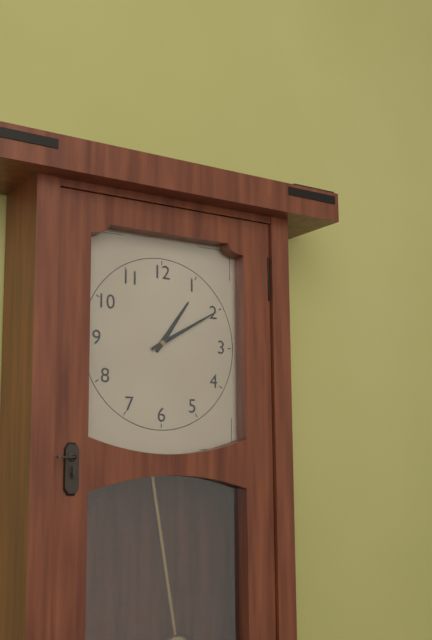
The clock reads 1,10
